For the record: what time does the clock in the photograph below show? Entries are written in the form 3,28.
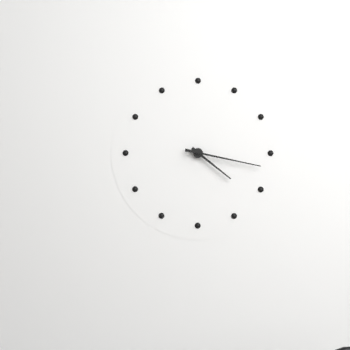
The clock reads 4,17
